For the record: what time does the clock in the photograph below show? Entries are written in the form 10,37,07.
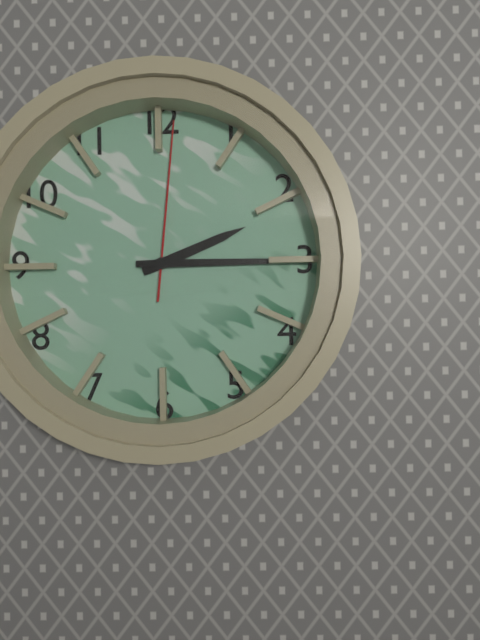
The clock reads 2,15,01
